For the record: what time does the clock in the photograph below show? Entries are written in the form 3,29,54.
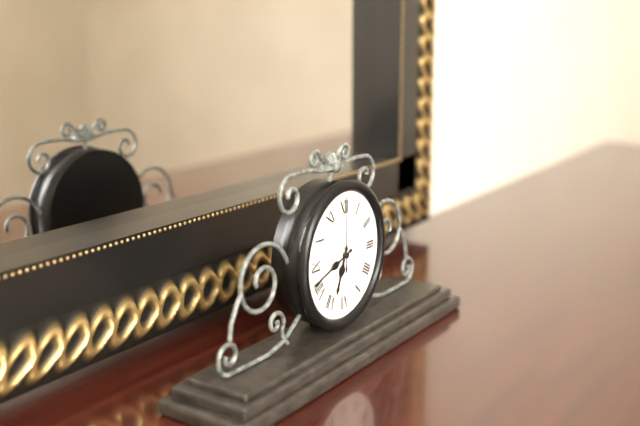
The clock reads 6,42,00
